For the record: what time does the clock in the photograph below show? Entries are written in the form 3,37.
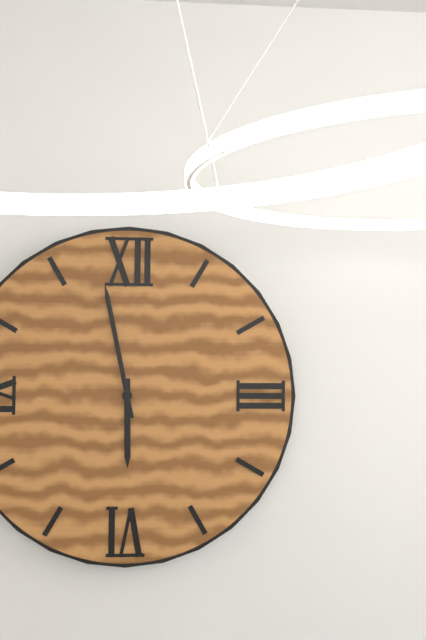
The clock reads 5,58
